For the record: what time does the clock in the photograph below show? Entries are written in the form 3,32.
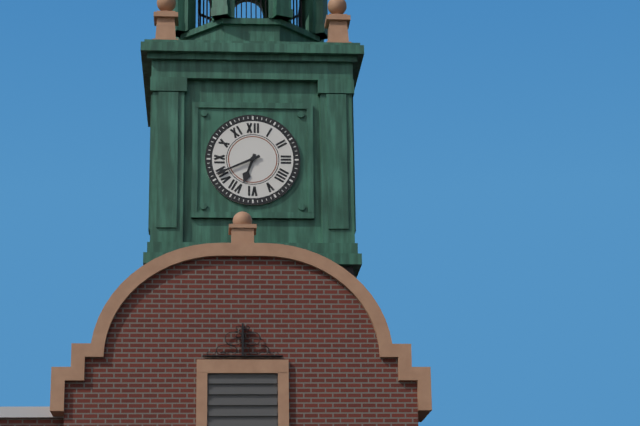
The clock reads 6,41
